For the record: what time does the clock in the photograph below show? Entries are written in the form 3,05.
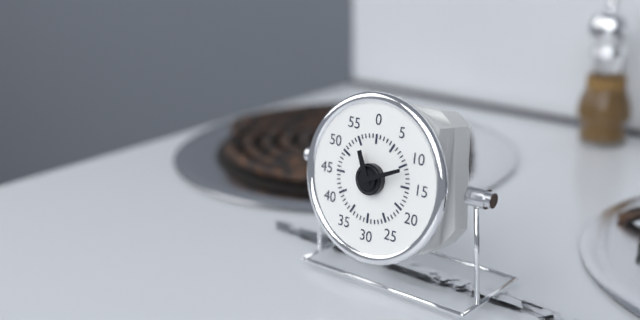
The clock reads 11,11
